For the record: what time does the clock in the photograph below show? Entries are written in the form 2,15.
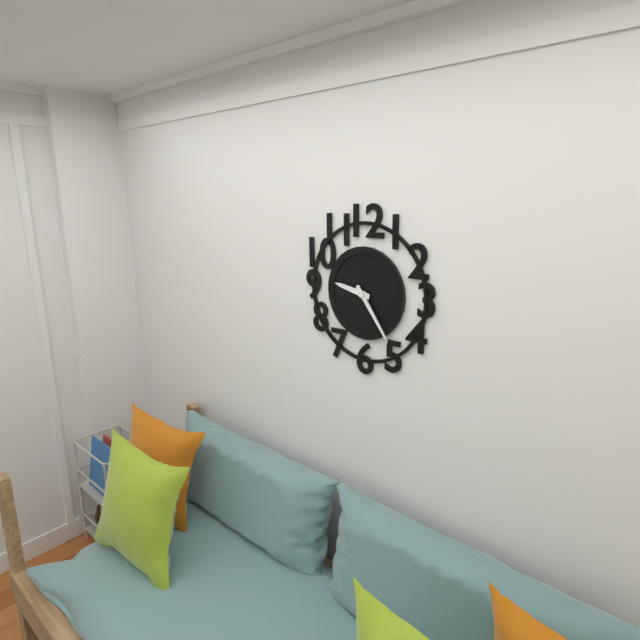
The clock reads 9,24
